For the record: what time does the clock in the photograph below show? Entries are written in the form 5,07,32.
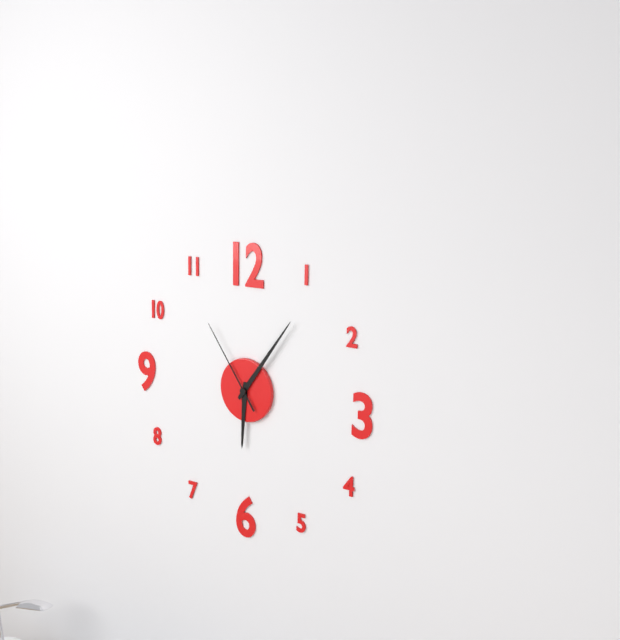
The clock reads 6,06,54
